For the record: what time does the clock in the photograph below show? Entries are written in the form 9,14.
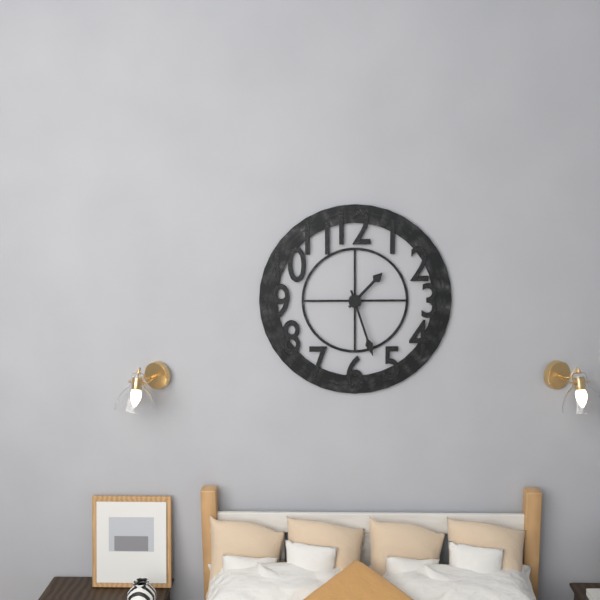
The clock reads 1,27
